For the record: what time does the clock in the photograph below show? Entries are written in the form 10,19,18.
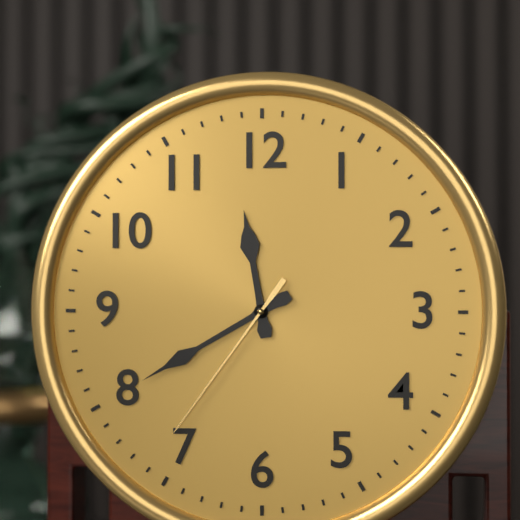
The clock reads 11,40,36
